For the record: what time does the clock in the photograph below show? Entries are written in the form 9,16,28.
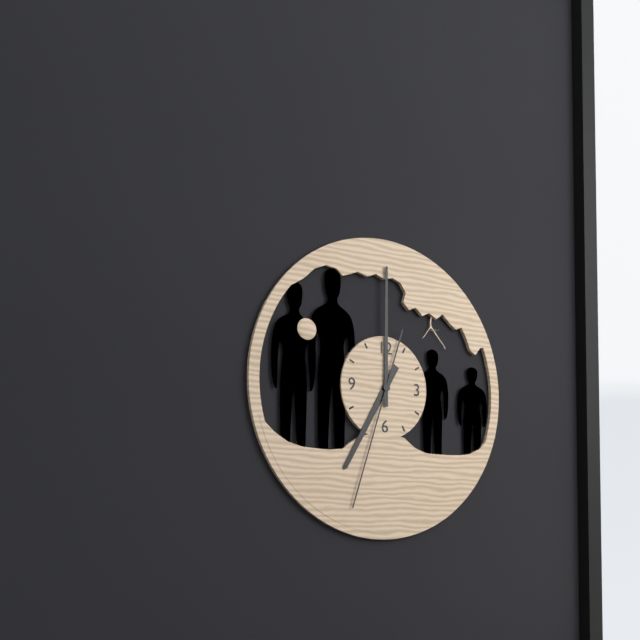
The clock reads 7,00,33
